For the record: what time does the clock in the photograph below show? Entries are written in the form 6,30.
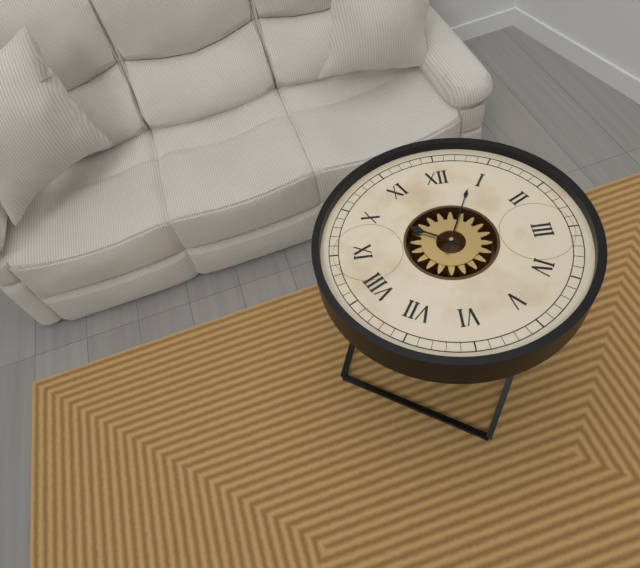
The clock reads 10,04
